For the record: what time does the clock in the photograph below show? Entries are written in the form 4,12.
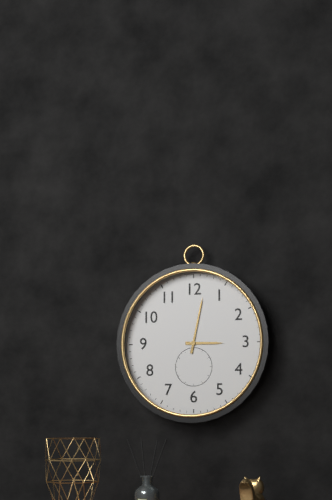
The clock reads 3,02
